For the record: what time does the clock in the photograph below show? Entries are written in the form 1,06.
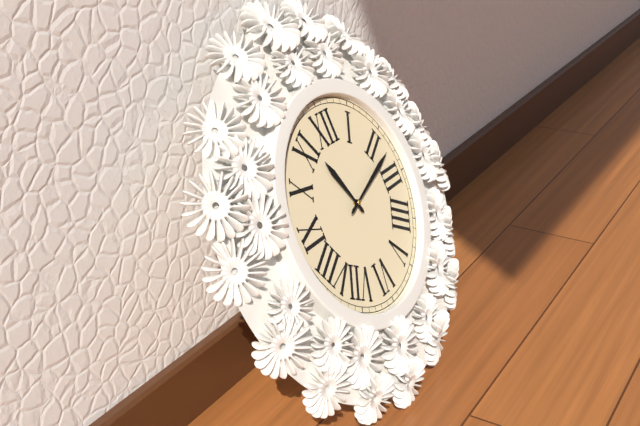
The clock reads 11,12
